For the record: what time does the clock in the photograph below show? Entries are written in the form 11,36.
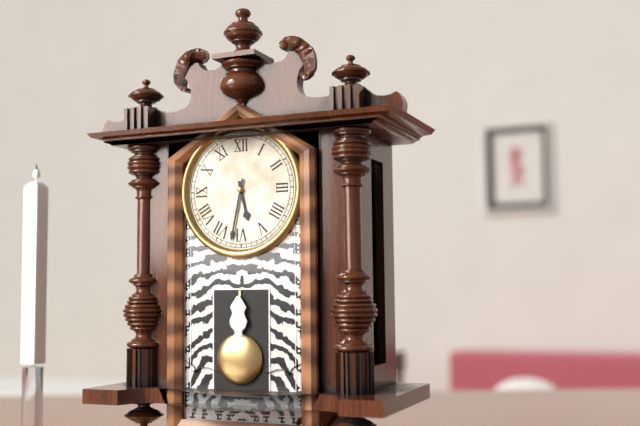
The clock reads 5,32
